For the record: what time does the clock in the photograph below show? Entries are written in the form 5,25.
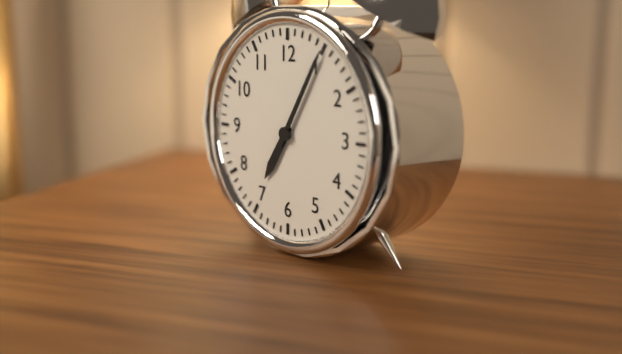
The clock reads 7,05
